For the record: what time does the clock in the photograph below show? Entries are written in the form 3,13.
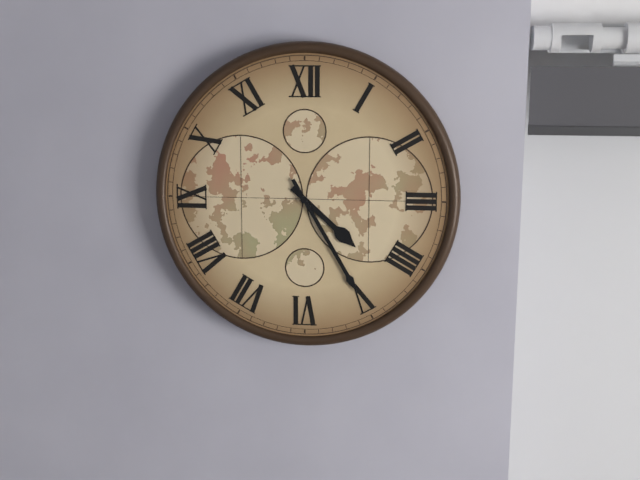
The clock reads 4,25
